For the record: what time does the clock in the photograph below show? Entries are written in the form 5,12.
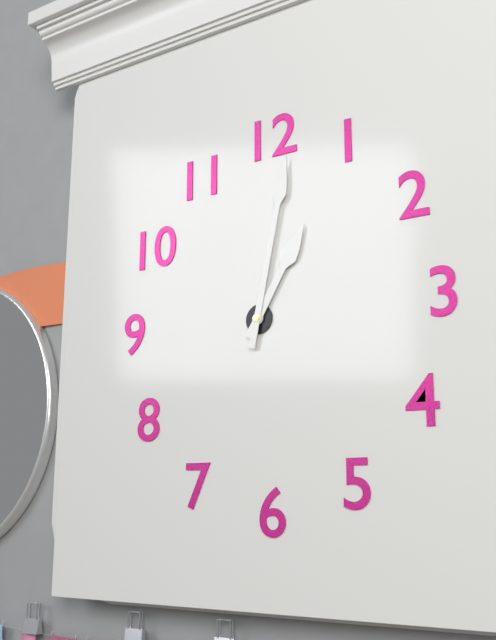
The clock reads 1,02
